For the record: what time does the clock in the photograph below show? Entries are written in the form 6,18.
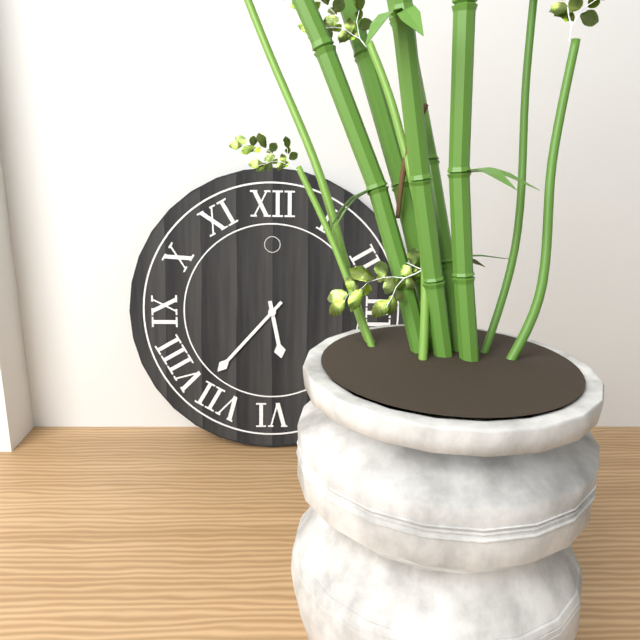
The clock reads 5,37
